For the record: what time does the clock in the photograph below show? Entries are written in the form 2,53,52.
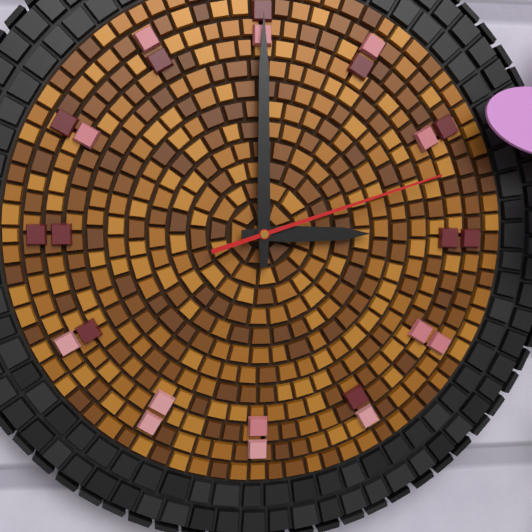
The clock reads 3,00,12
